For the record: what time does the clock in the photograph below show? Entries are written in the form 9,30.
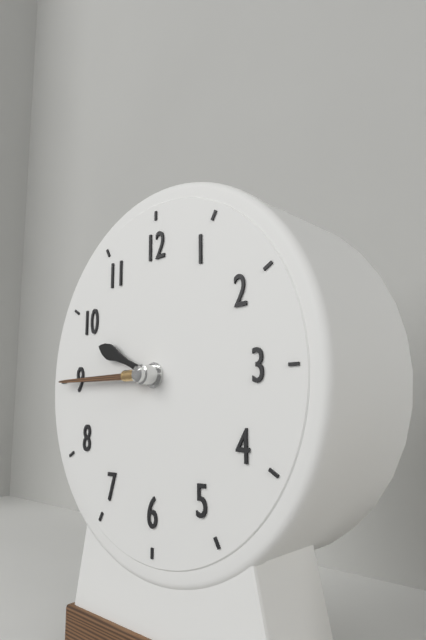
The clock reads 9,45
